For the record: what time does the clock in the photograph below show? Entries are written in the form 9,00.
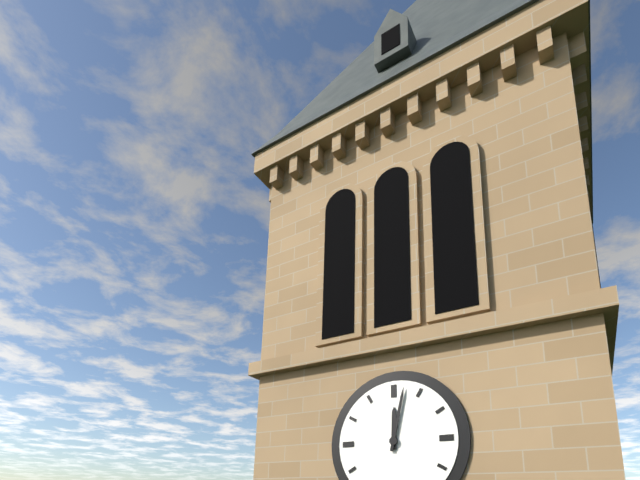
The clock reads 12,02
